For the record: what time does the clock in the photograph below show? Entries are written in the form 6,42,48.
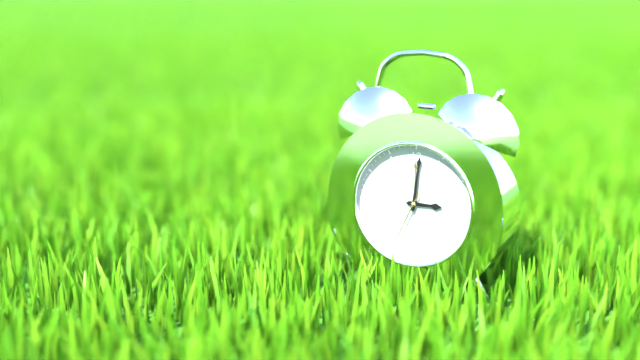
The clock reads 3,01,34
